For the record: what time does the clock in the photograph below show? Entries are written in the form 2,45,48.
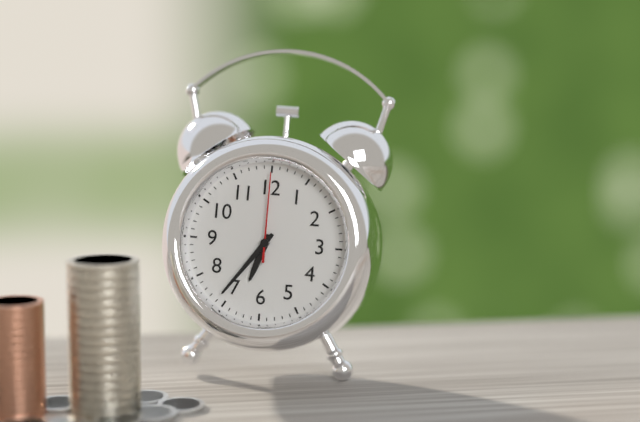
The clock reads 6,36,00
